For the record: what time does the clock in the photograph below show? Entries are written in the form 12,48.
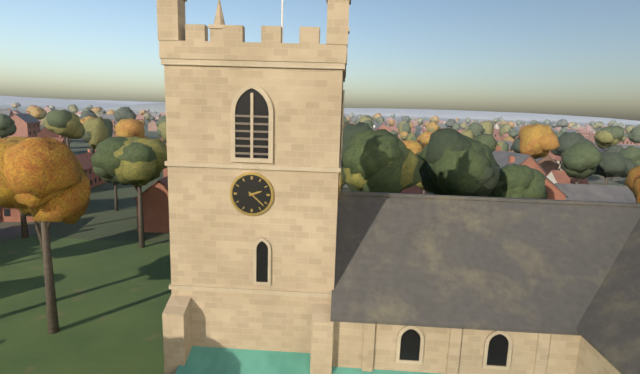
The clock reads 2,22
